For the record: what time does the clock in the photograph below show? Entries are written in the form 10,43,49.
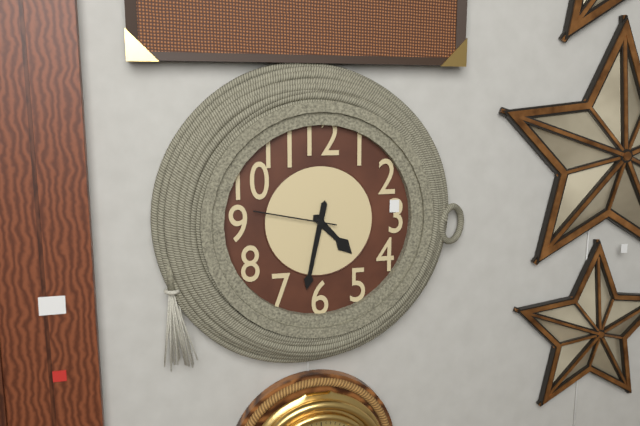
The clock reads 4,32,47
